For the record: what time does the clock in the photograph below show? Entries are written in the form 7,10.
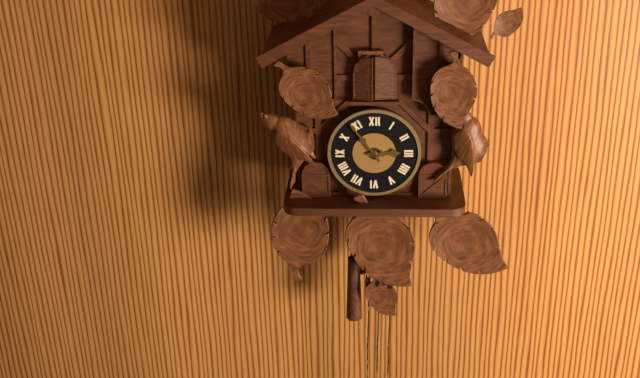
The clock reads 2,54
